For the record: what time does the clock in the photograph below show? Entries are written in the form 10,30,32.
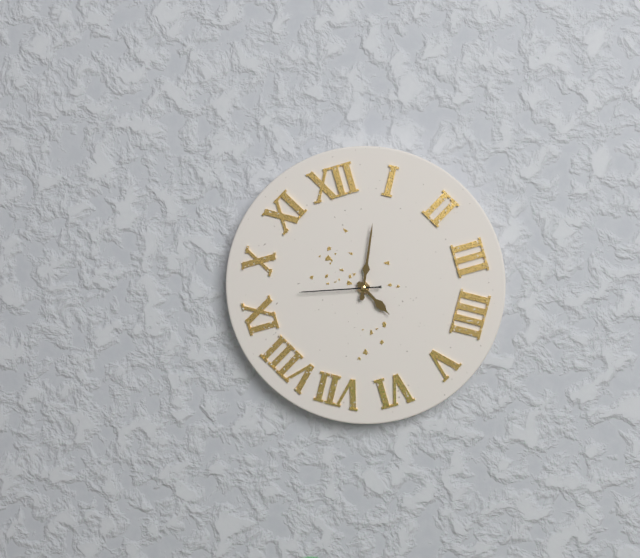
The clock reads 5,04,47
